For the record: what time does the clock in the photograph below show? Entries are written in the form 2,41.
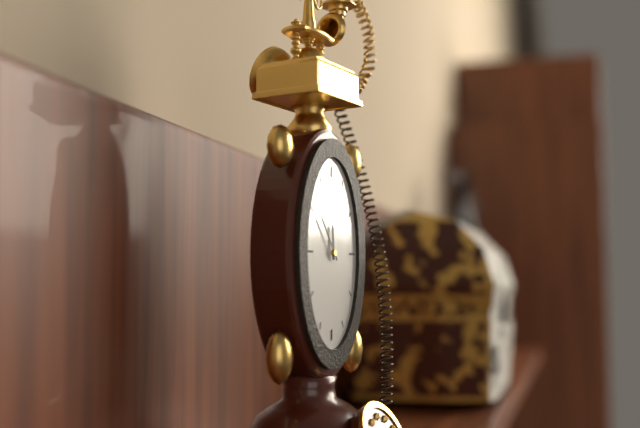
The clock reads 11,54
